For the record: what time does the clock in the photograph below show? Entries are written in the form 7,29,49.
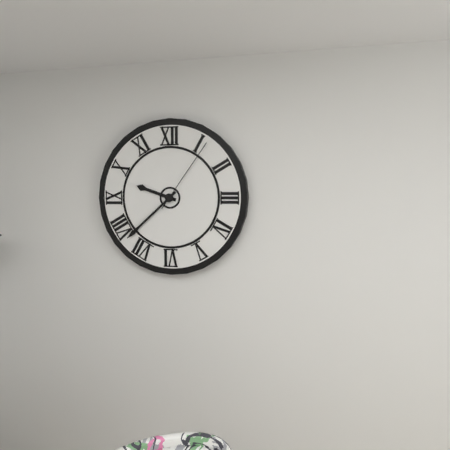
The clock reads 9,38,06
